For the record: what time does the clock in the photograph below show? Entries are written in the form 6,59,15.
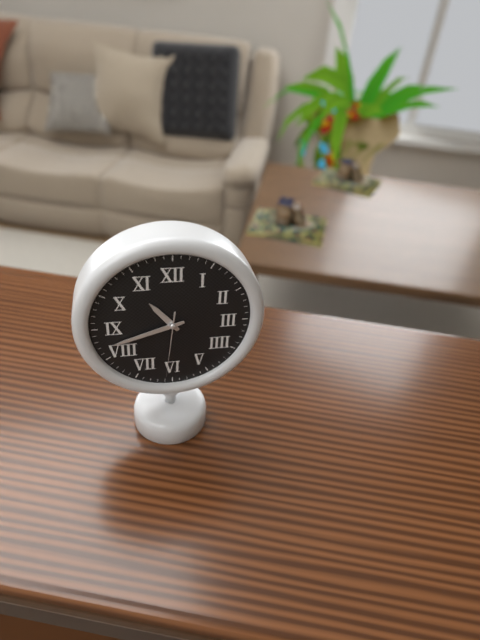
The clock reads 10,42,31
